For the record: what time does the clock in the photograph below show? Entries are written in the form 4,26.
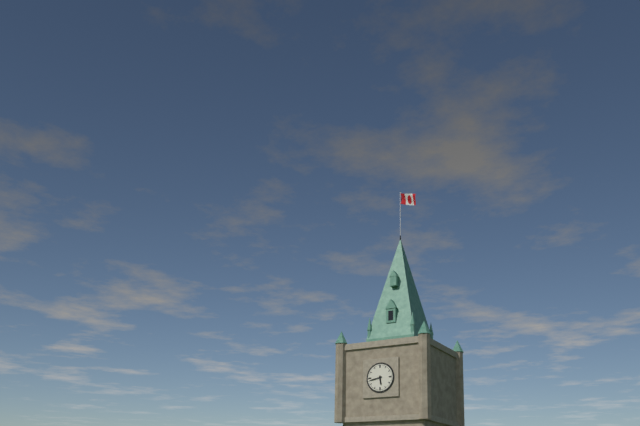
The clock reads 5,43
